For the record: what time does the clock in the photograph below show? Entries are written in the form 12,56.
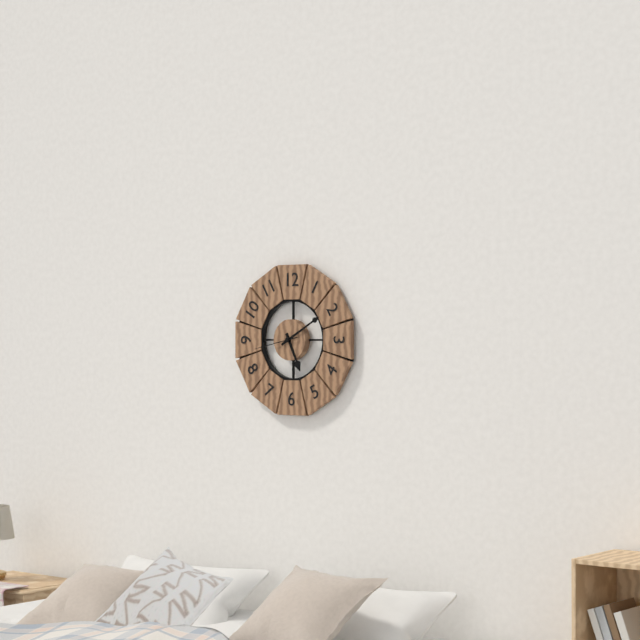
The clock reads 5,10
